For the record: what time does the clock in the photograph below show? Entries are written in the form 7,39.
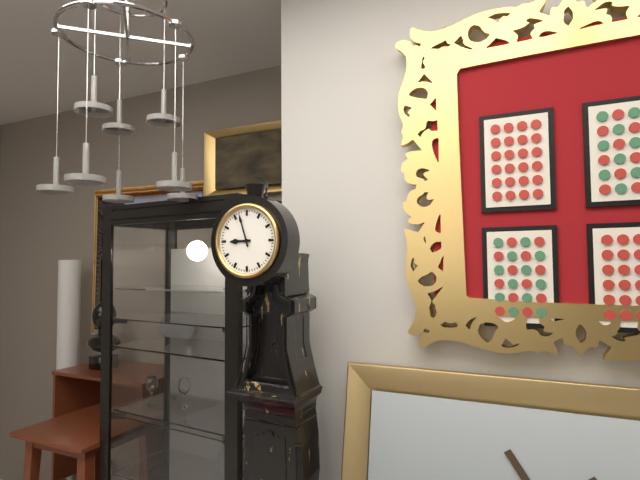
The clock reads 8,57
